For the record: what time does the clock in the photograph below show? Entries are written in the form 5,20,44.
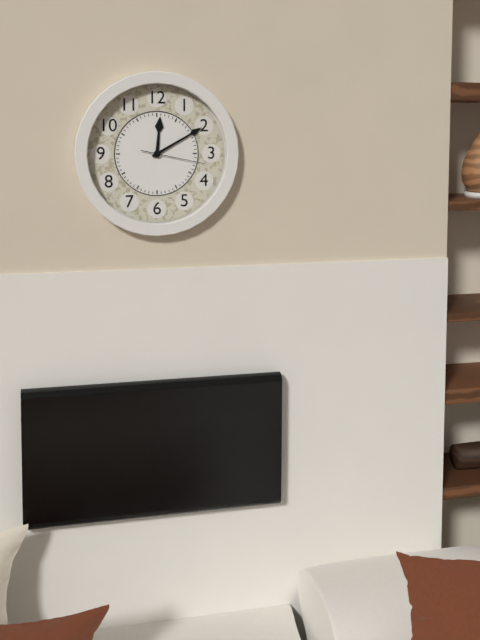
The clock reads 12,10,17
